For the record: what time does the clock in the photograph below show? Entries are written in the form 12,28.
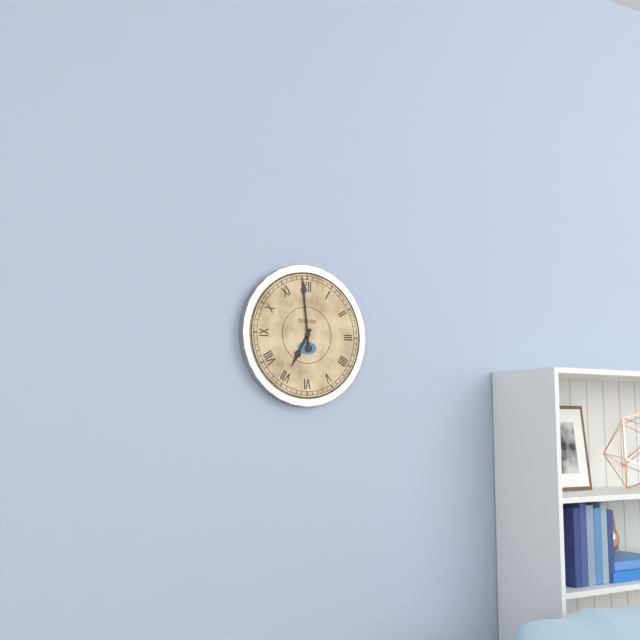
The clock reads 6,59
